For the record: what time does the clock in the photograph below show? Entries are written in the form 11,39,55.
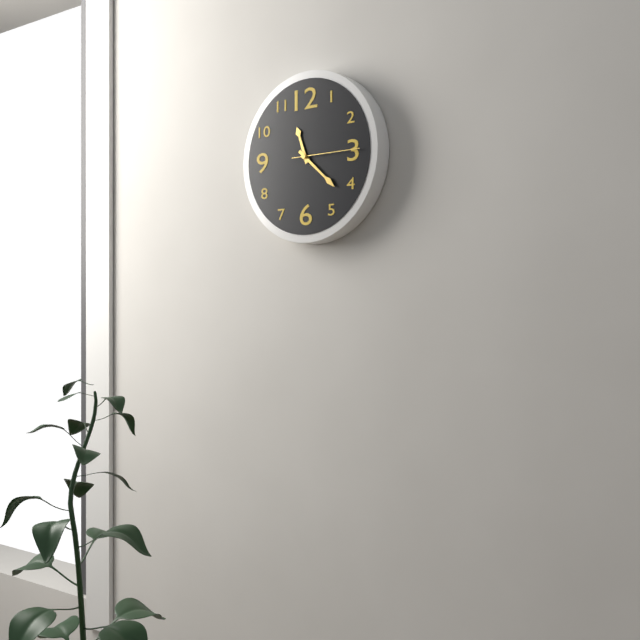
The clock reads 11,22,15
